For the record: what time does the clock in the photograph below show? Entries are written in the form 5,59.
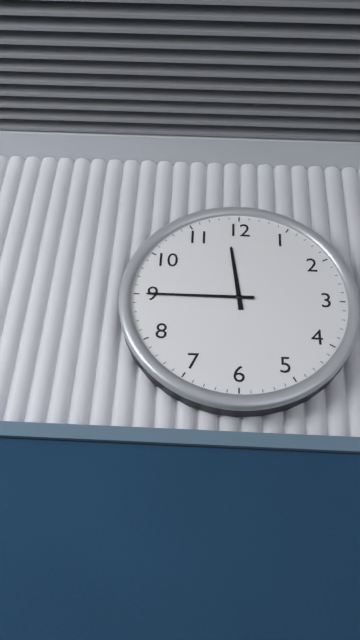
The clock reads 11,45
